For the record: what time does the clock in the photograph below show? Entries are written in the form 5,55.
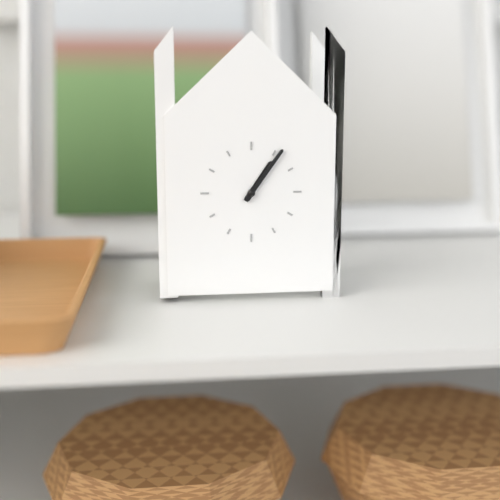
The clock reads 1,06
